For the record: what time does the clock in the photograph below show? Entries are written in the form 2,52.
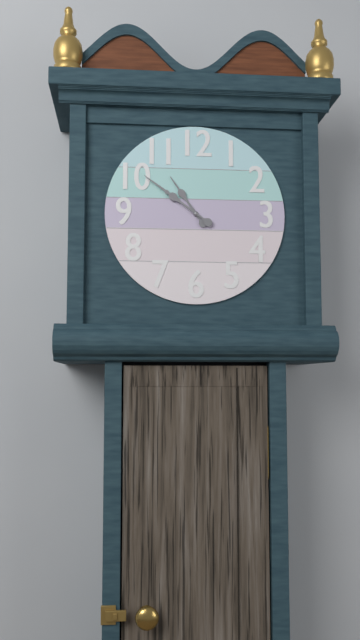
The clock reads 10,51
